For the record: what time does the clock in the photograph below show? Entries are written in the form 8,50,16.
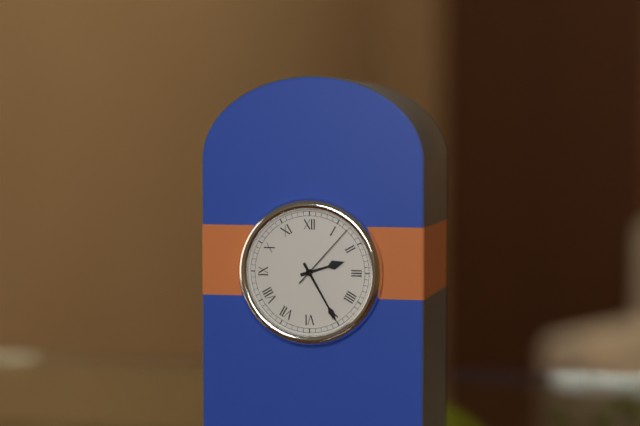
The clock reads 2,25,07
